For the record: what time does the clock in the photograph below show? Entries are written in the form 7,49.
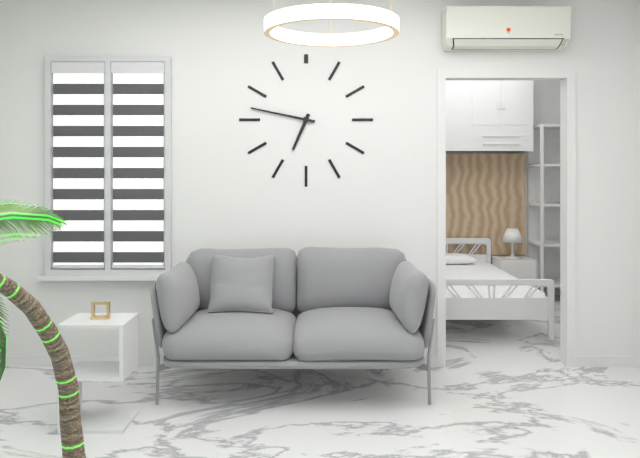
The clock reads 6,47
